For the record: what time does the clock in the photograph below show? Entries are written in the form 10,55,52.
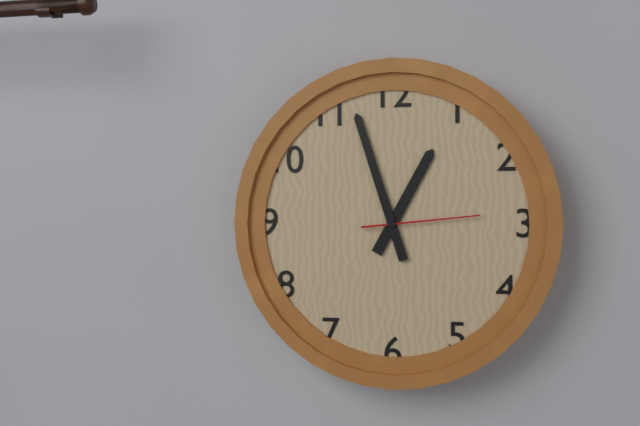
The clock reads 12,57,14
